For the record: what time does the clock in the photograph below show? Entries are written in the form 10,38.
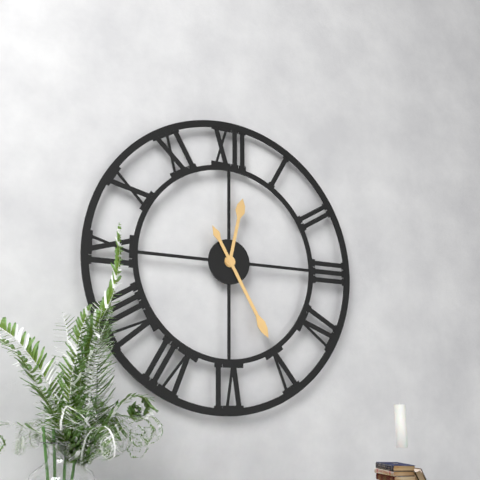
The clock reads 12,25
